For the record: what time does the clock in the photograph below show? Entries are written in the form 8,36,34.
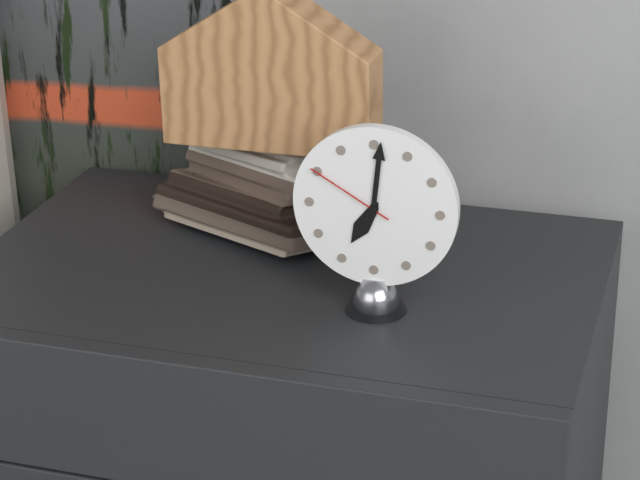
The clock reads 7,01,50
